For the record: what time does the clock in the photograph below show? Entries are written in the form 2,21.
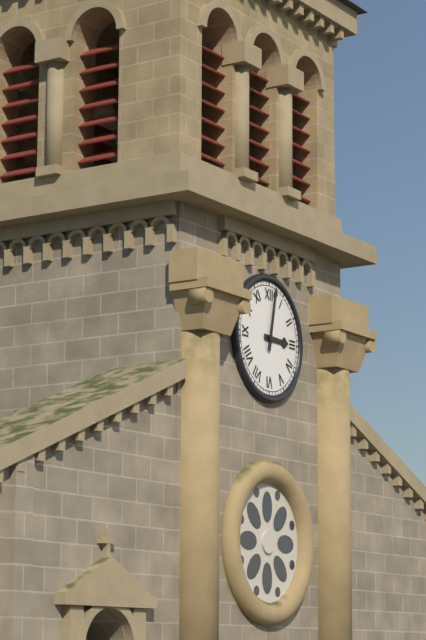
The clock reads 3,02
